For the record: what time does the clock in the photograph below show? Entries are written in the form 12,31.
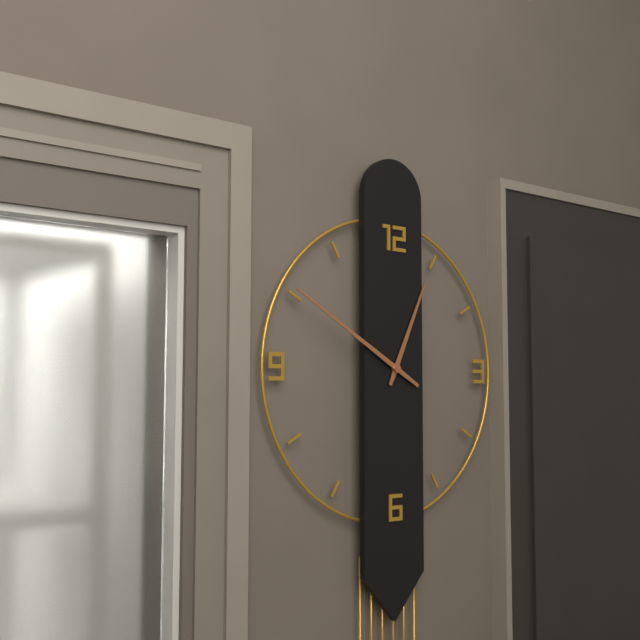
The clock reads 12,50
